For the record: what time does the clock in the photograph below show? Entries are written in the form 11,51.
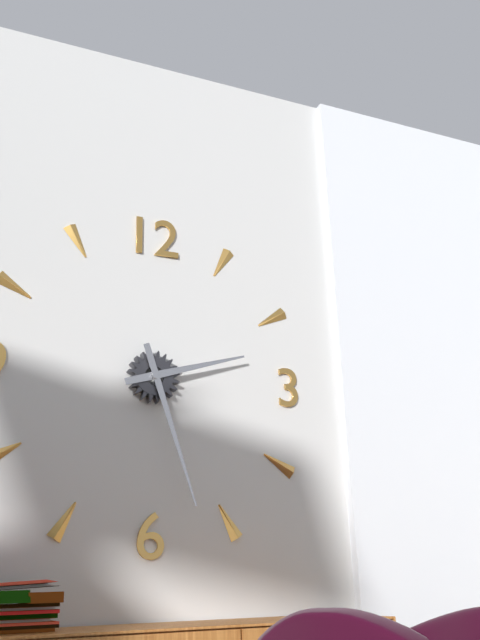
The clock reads 2,27
